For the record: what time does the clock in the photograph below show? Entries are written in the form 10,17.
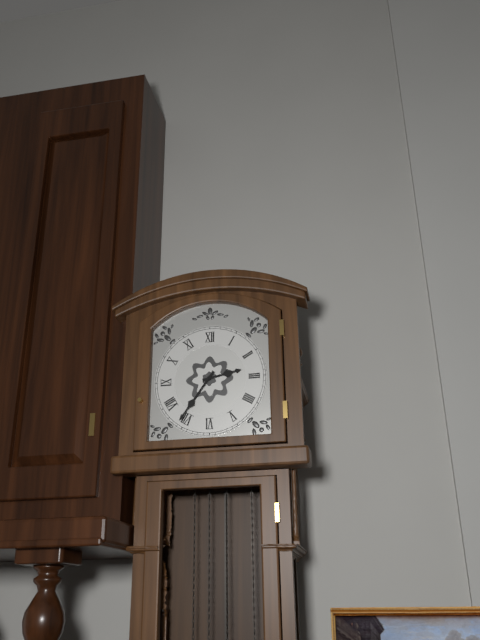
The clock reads 2,36
